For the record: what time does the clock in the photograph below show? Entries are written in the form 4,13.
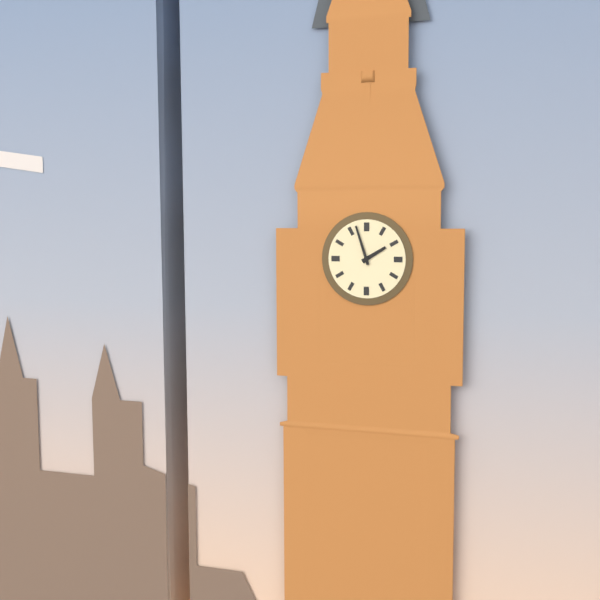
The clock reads 1,57
